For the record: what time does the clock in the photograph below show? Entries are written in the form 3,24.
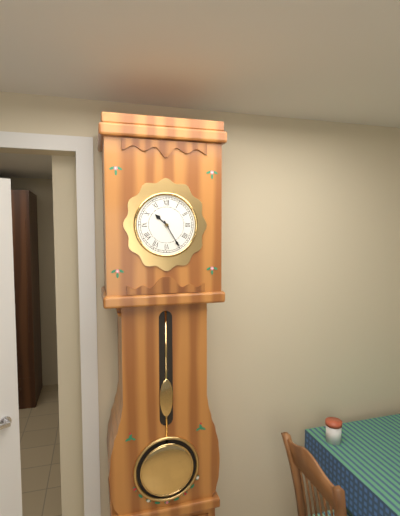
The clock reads 10,25
